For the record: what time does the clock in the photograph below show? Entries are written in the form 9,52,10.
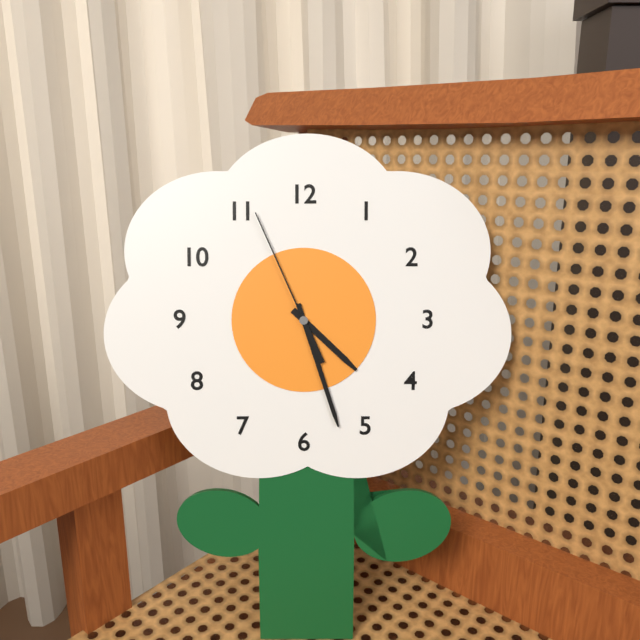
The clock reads 4,27,56
